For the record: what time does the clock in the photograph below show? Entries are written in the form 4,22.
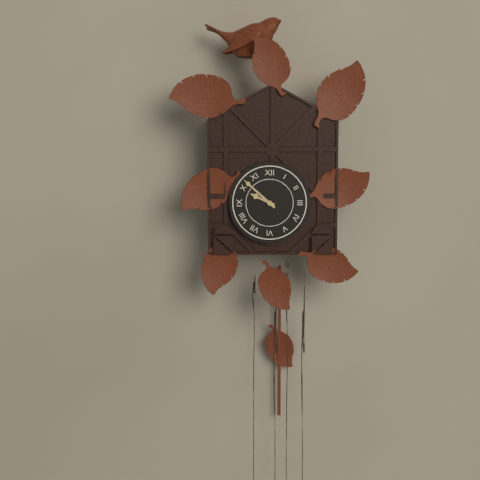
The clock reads 9,52
